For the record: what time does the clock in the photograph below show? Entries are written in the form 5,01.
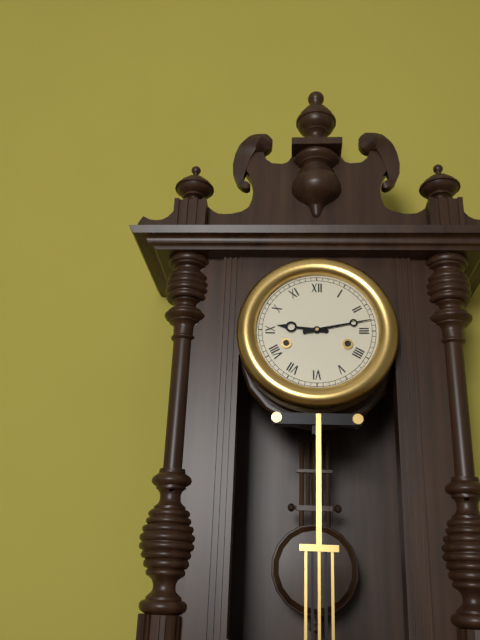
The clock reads 9,13
